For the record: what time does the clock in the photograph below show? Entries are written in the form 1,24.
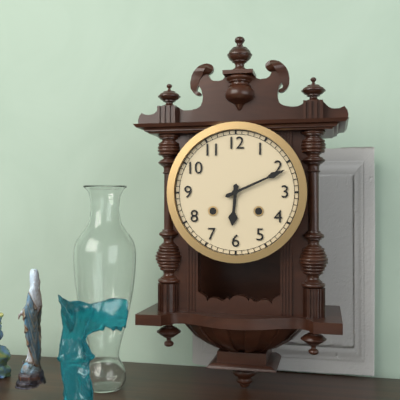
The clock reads 6,11
